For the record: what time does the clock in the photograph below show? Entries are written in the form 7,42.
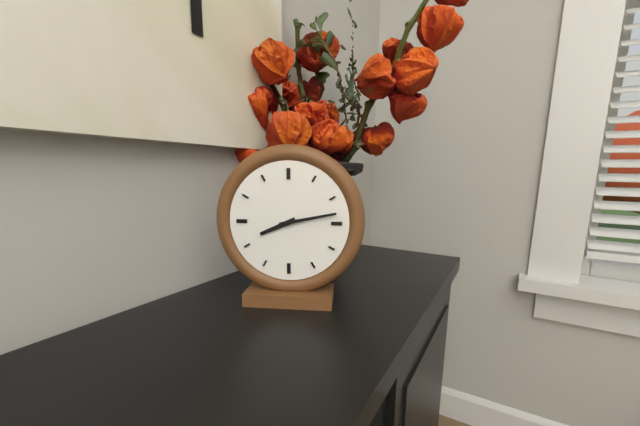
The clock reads 8,13
